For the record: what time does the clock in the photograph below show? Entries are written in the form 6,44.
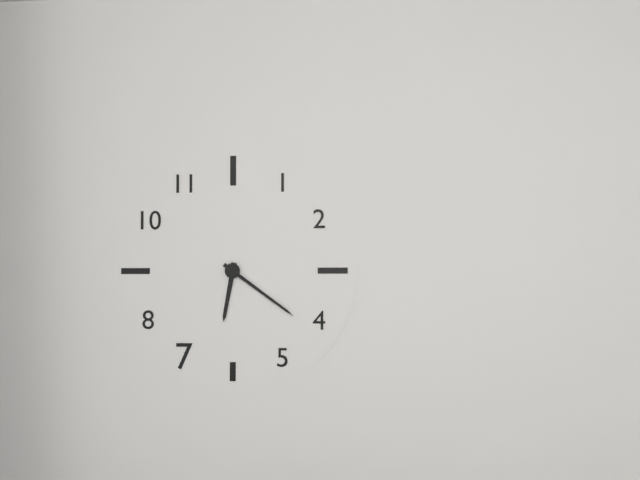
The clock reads 6,21
